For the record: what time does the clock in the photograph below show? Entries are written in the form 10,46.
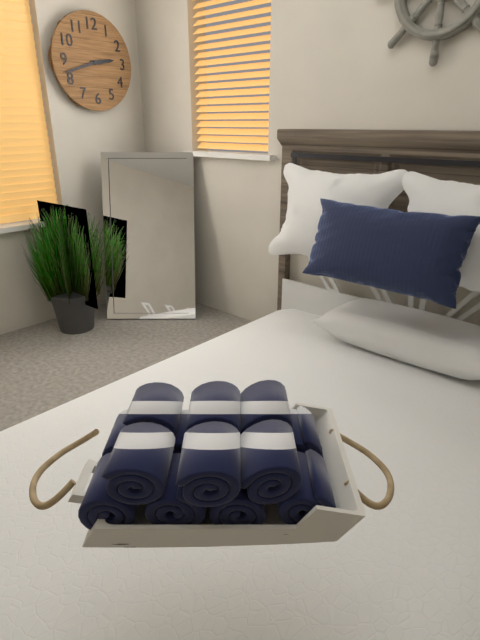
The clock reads 2,42
